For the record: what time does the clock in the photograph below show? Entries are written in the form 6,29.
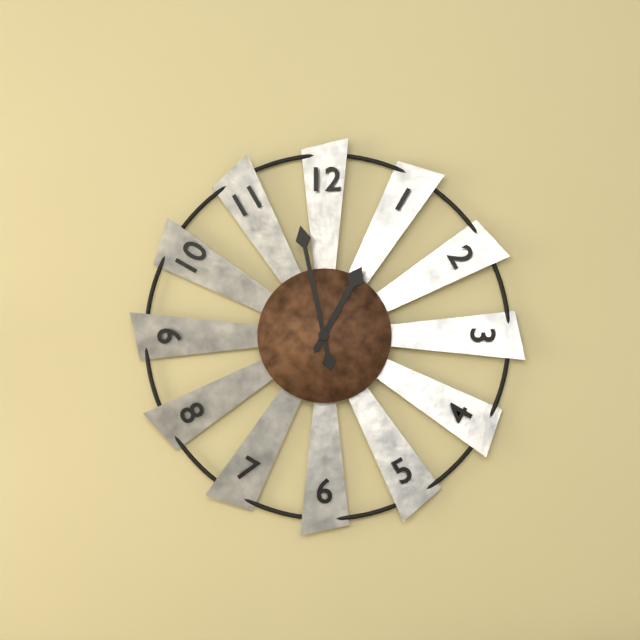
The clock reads 12,58
